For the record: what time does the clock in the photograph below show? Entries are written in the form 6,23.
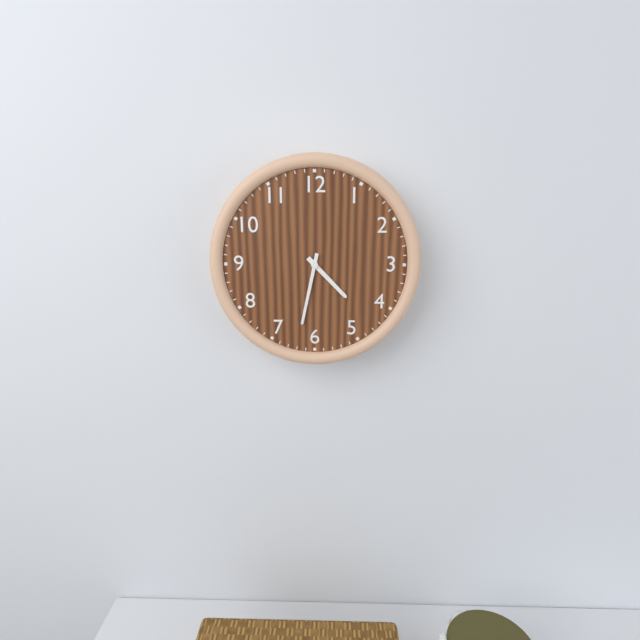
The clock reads 4,32
